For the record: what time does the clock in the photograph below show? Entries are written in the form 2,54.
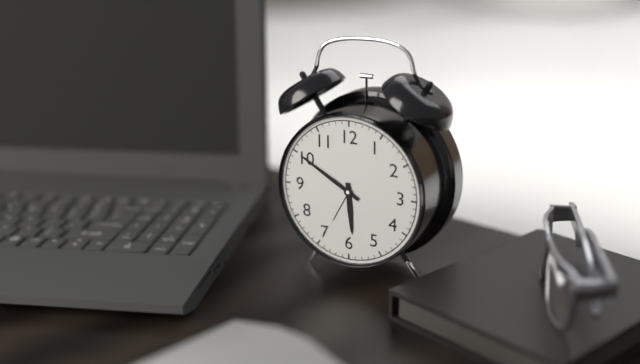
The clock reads 5,50
